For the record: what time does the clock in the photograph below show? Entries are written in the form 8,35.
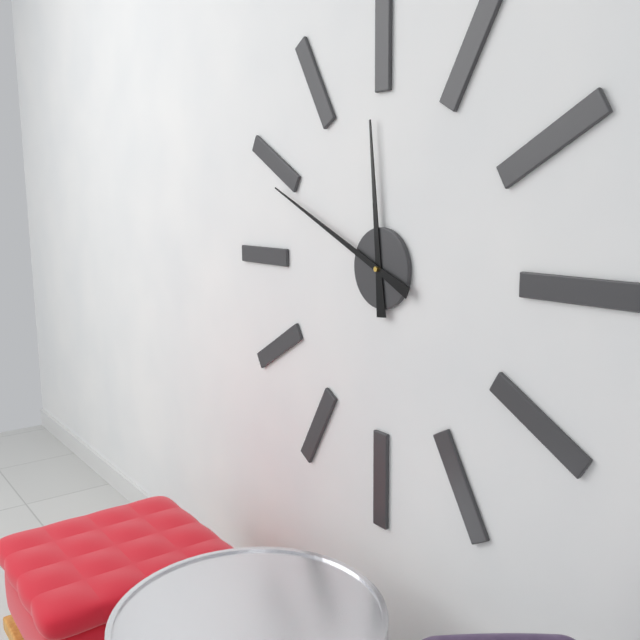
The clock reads 11,49
